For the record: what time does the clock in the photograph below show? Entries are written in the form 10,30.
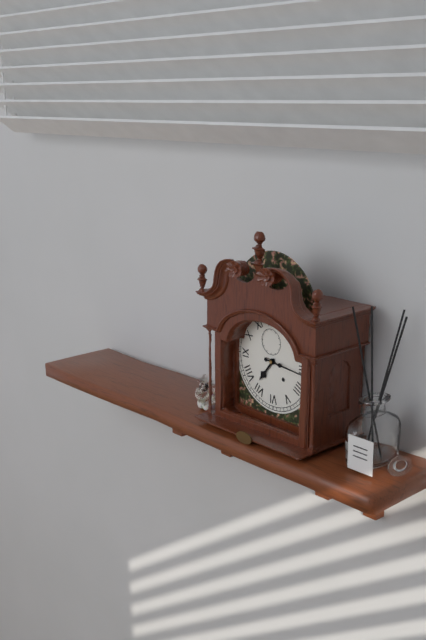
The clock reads 7,16
